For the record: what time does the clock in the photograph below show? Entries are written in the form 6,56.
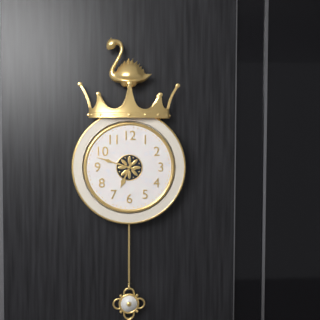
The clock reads 6,48
